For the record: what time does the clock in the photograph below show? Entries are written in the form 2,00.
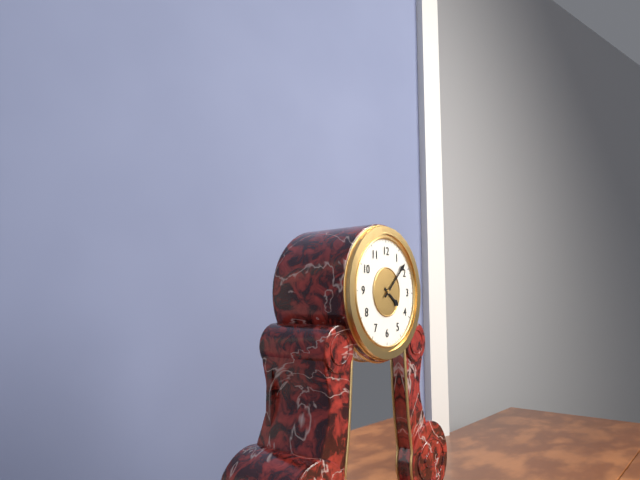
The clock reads 4,08
